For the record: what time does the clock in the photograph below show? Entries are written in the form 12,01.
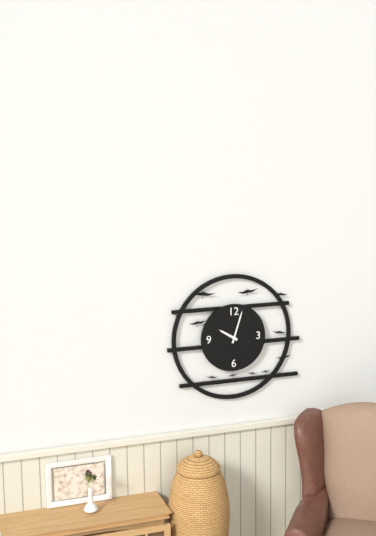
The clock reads 10,03
